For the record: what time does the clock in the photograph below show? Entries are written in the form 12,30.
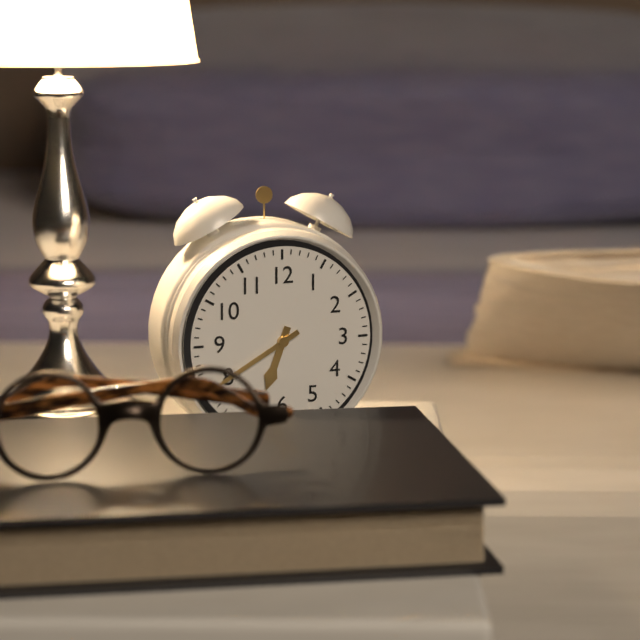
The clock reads 6,40
